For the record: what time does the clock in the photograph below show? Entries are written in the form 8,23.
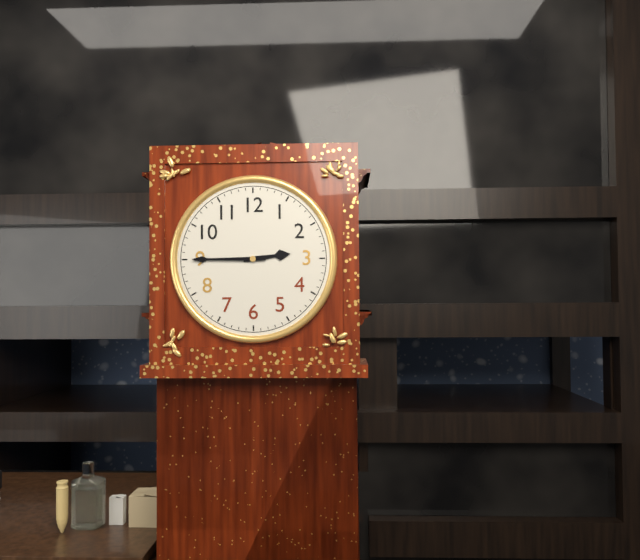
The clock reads 2,45
